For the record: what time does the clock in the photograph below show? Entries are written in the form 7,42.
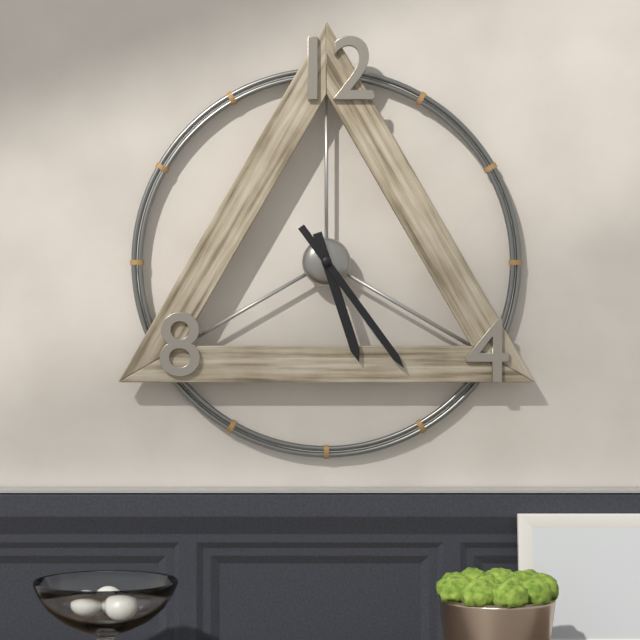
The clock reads 5,24
